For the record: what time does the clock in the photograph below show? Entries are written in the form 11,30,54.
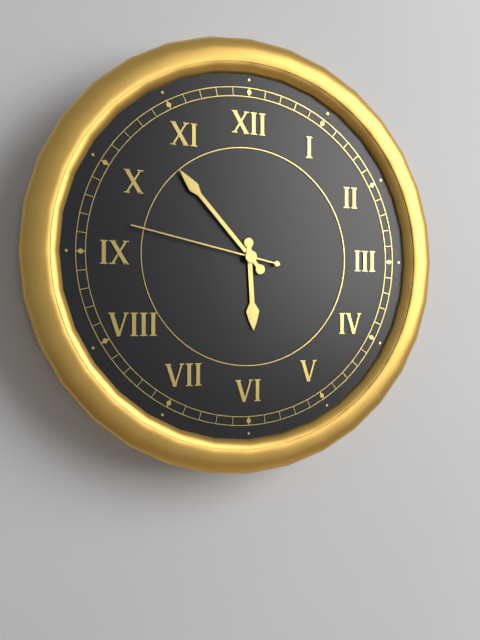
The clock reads 5,53,47
